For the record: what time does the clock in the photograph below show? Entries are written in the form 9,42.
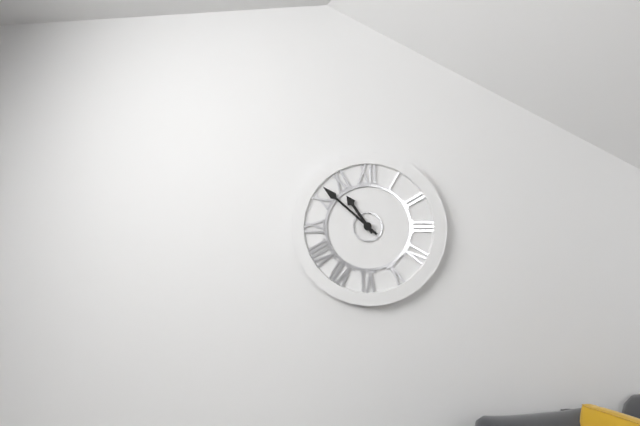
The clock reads 10,52
